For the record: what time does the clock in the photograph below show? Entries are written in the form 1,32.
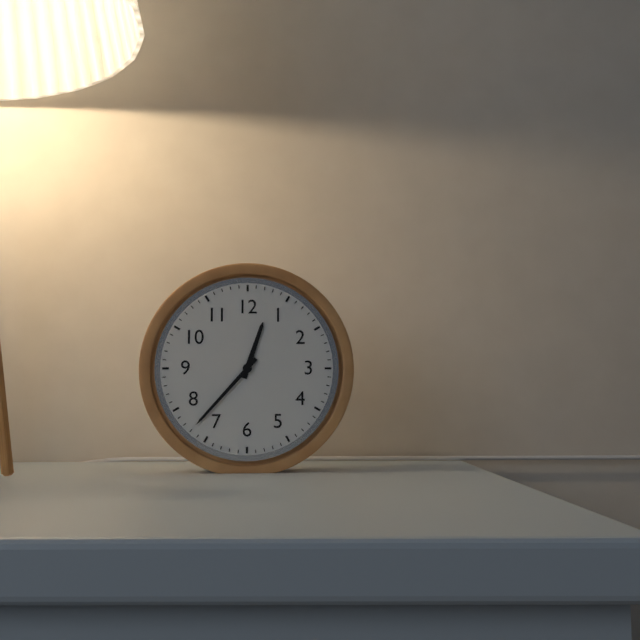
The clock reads 12,37
